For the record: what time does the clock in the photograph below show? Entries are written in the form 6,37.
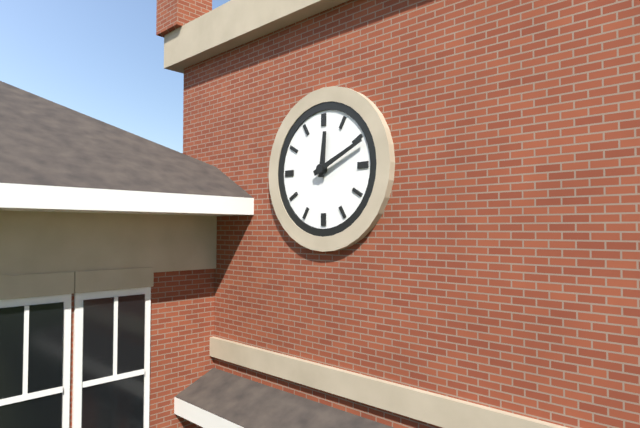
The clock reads 12,11
